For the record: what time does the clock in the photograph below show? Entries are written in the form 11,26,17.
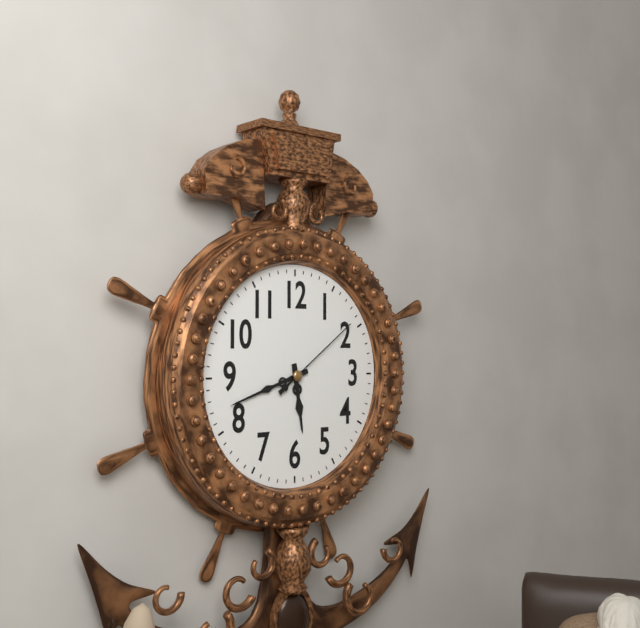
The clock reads 5,42,09
